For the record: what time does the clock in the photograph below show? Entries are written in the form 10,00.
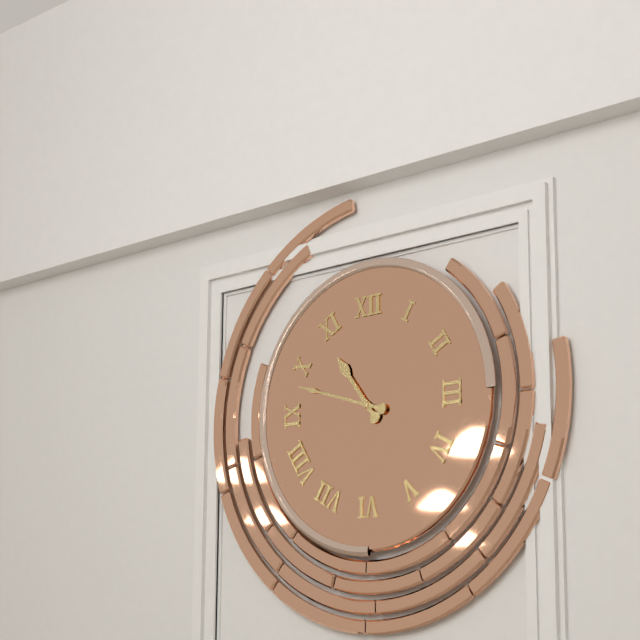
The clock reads 10,48
